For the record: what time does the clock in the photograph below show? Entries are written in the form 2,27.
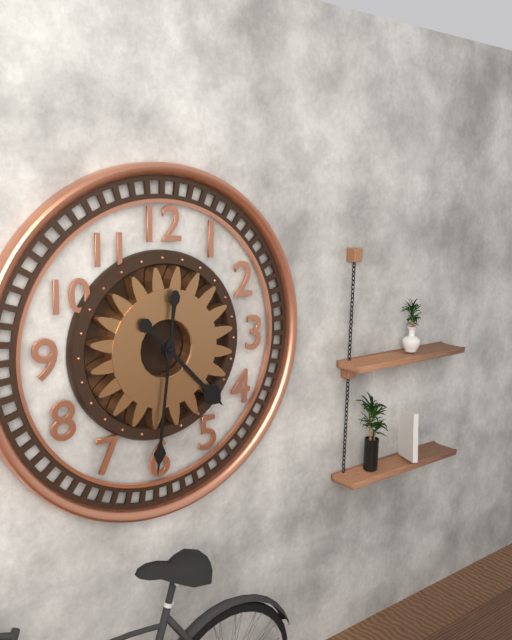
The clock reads 4,31
